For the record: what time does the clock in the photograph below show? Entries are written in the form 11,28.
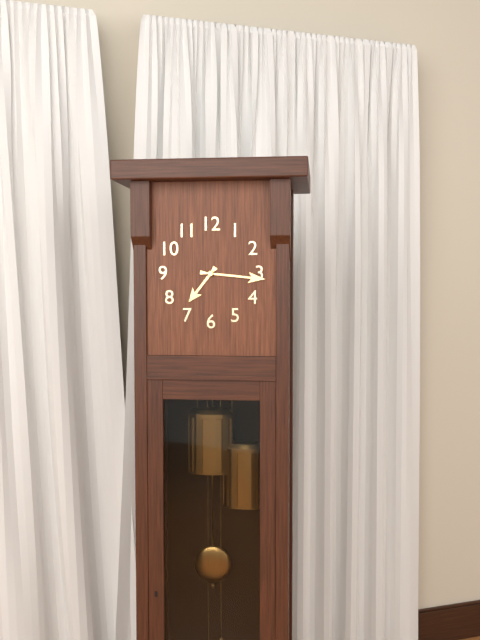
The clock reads 7,16
